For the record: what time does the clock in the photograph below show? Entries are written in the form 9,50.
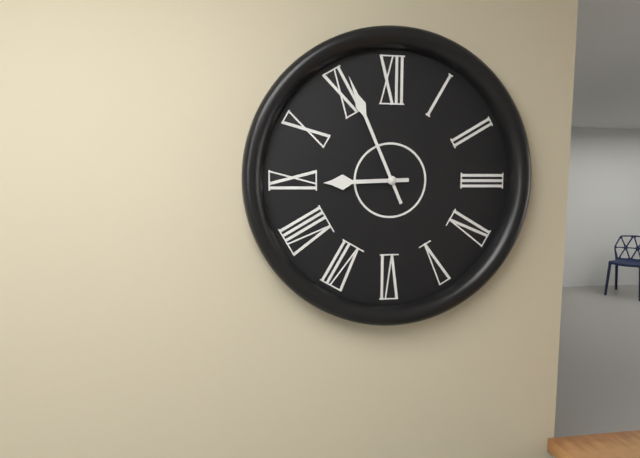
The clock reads 8,56
